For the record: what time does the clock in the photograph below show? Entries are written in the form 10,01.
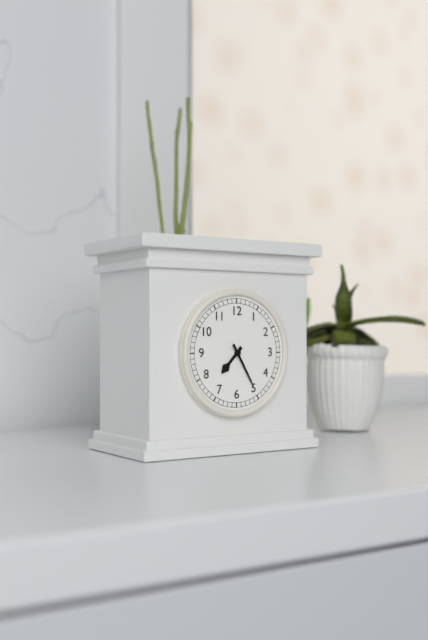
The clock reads 7,25
